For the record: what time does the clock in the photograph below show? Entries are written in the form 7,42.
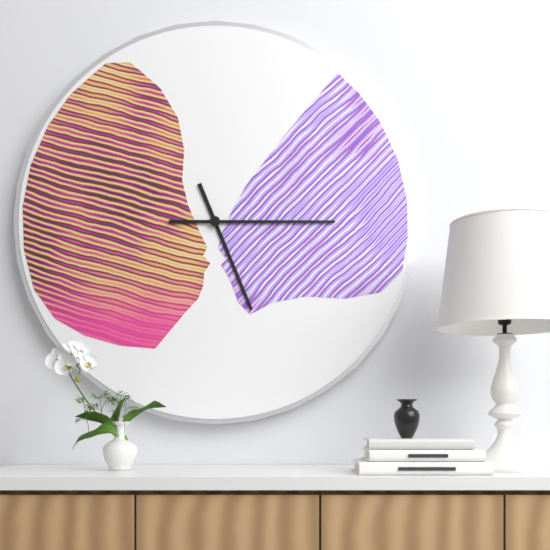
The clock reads 5,15
